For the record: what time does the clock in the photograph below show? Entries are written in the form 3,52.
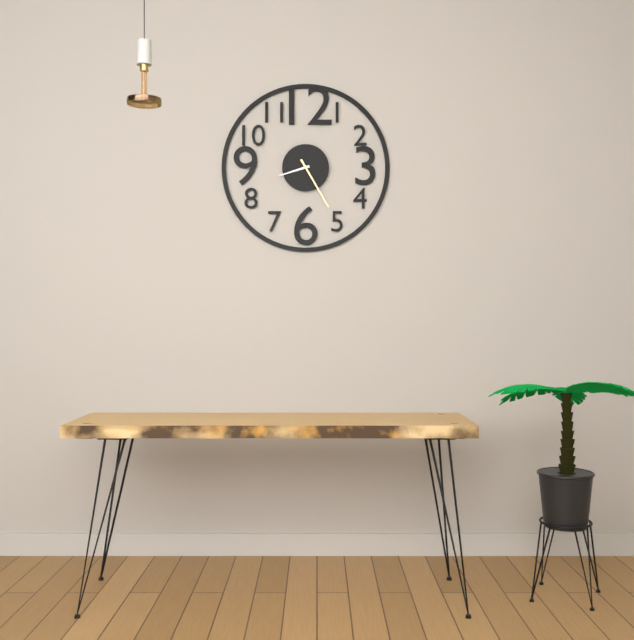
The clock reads 8,25
